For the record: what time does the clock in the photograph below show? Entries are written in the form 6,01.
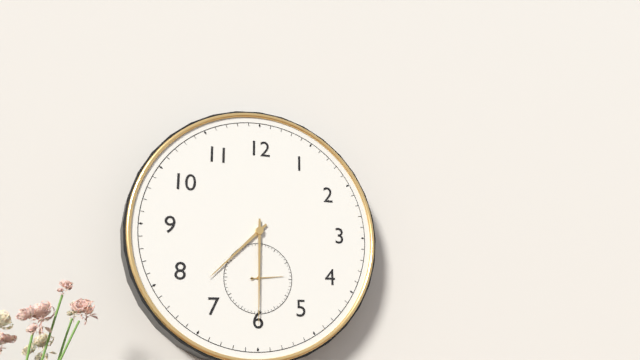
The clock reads 7,30
